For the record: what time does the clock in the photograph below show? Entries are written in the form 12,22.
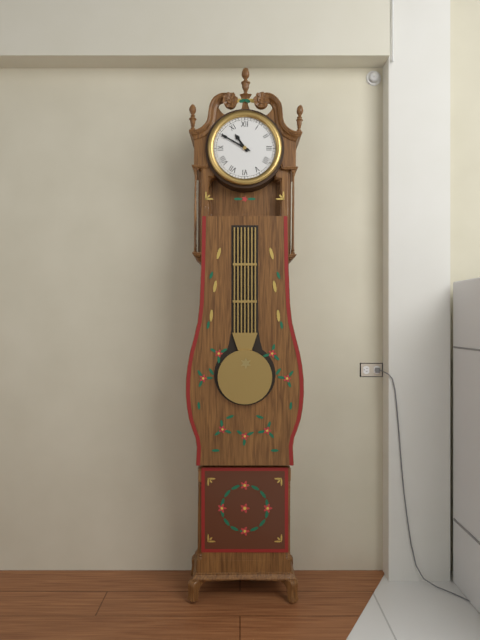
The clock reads 10,50
